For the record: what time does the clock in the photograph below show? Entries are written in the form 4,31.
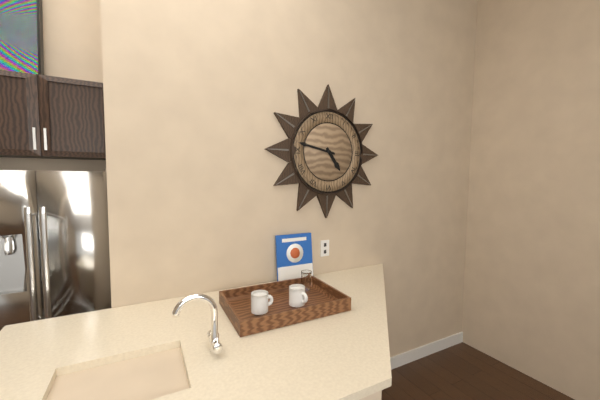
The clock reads 4,47
